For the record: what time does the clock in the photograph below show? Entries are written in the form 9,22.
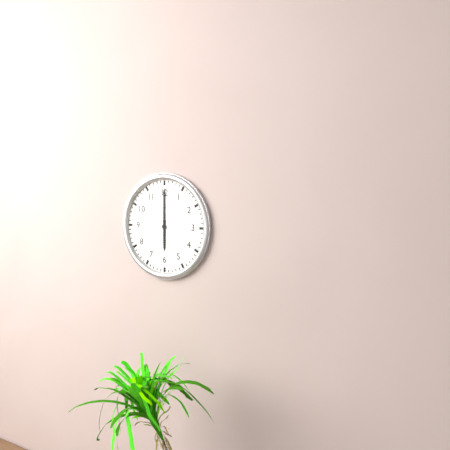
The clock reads 6,00
